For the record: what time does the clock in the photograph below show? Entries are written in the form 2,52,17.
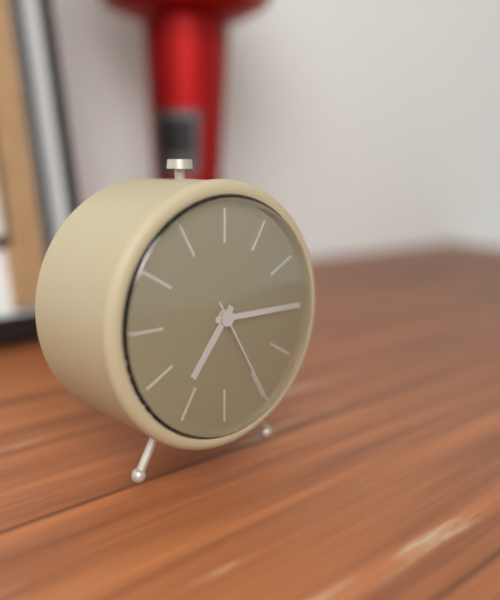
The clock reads 7,15,25
